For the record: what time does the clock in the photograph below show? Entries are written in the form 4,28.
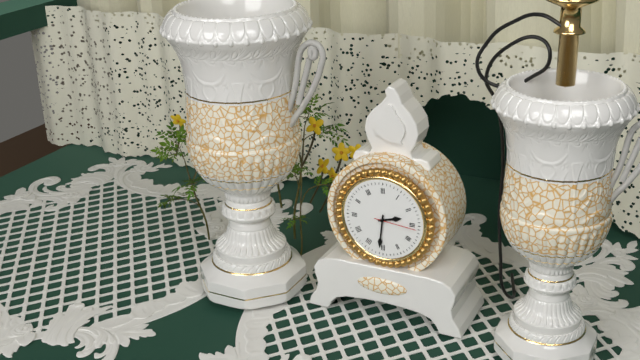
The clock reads 2,31
